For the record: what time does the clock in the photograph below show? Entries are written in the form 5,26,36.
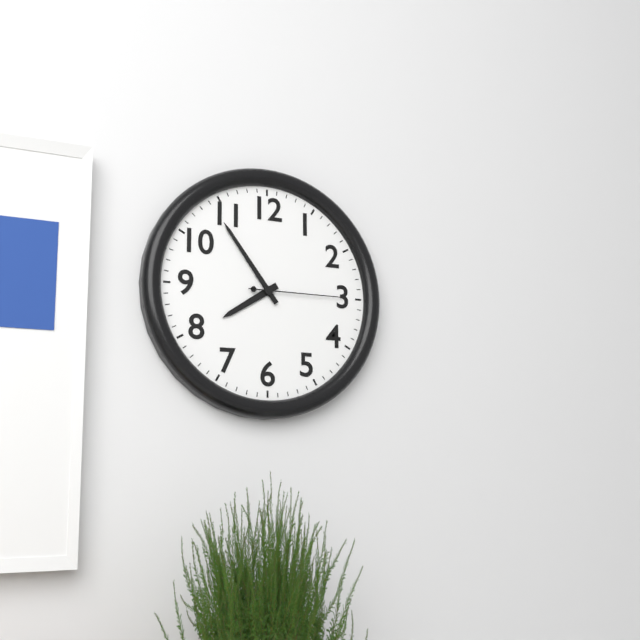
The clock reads 7,54,15
